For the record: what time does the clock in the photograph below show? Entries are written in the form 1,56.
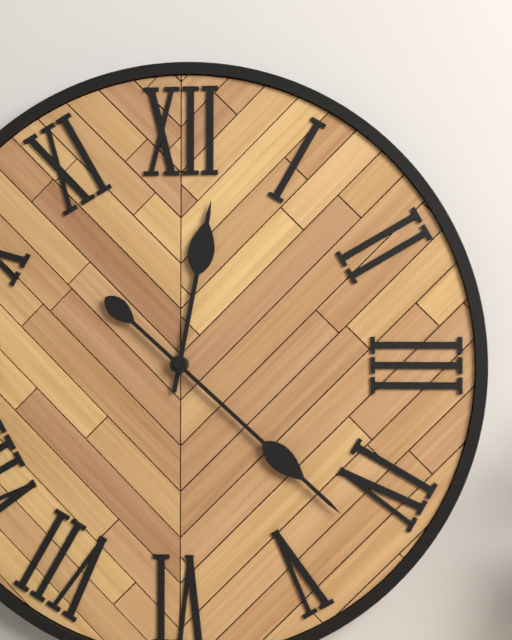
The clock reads 12,22
